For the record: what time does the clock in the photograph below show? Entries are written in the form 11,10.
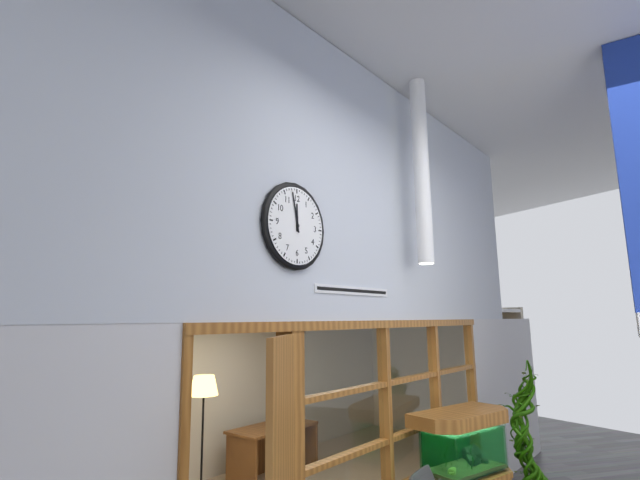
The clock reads 11,58
